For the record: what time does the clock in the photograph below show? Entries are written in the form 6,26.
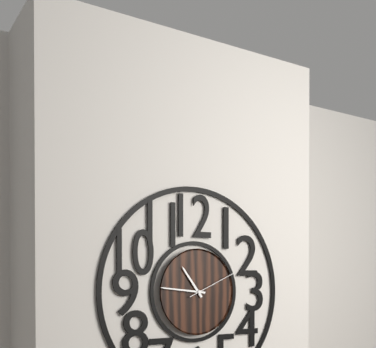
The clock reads 10,46
